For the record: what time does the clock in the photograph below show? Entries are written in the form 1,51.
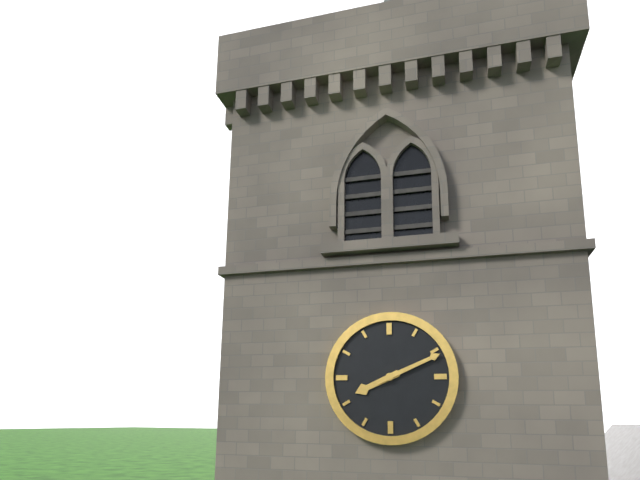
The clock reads 8,11
